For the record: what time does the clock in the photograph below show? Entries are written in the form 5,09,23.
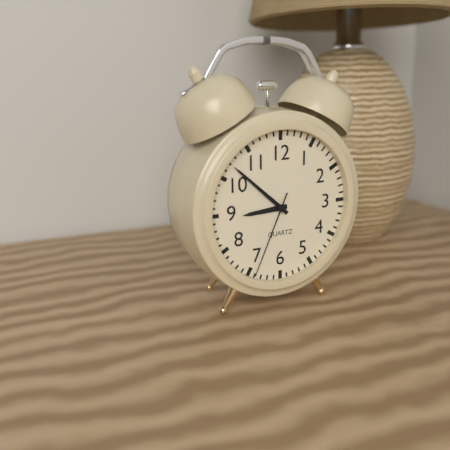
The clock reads 8,52,34
